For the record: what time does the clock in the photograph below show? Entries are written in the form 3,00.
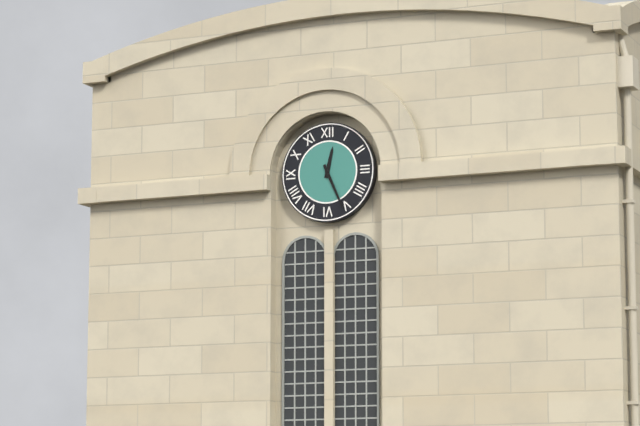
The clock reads 12,26
